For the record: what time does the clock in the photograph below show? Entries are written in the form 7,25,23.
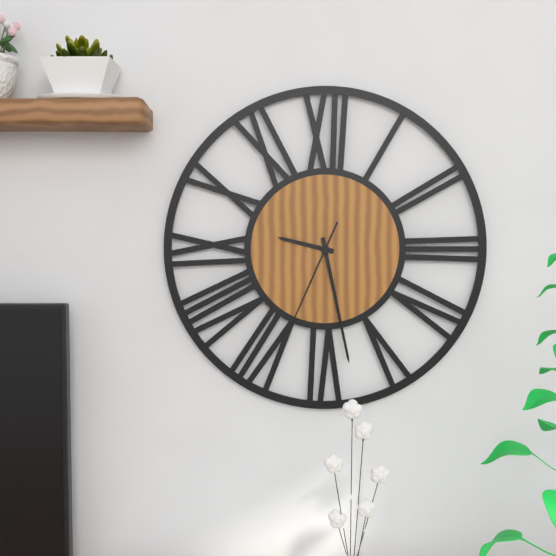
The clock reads 9,28,34
